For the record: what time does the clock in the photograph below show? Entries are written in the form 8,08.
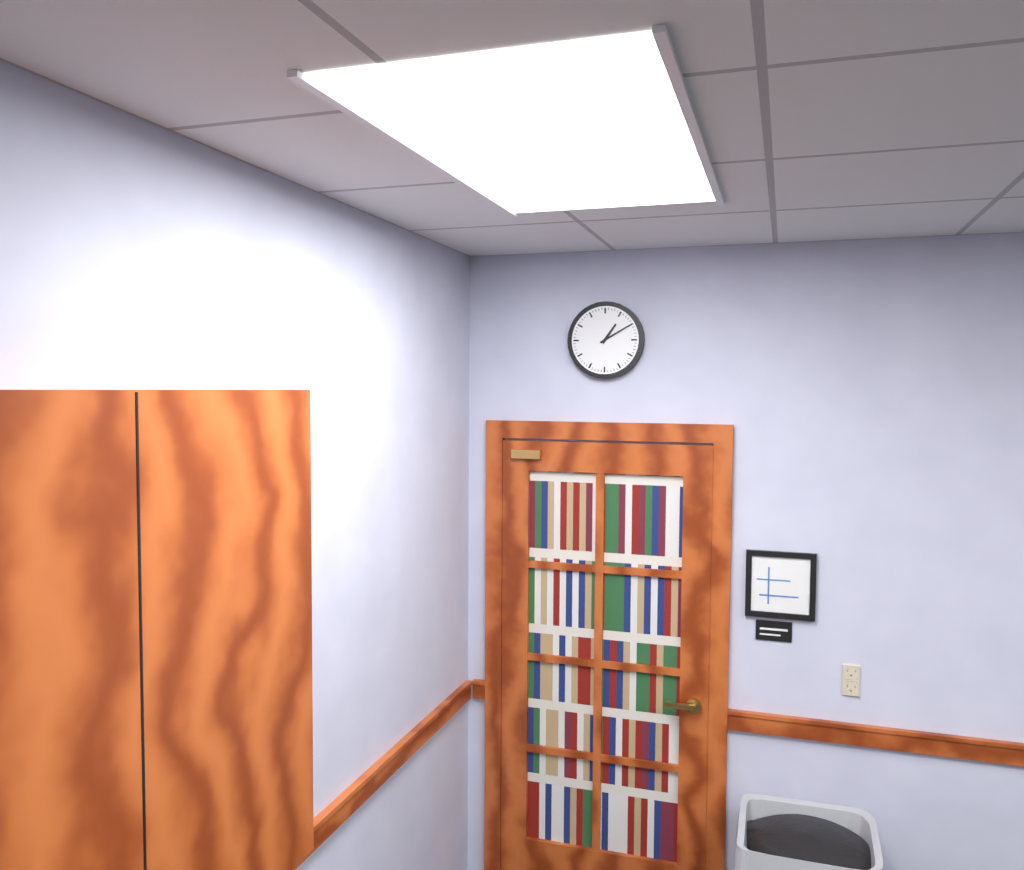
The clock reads 1,10
